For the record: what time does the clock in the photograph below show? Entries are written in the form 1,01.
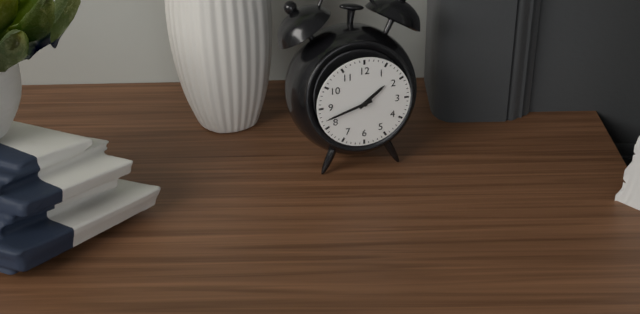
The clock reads 1,42
